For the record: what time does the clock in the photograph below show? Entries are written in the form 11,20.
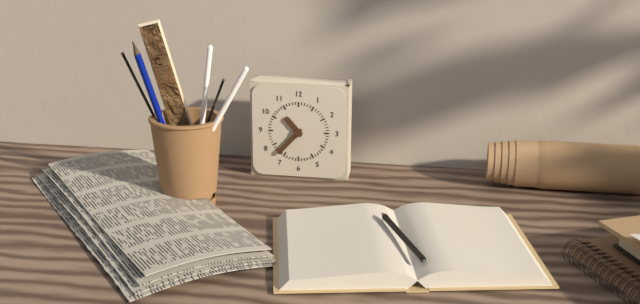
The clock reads 10,37
